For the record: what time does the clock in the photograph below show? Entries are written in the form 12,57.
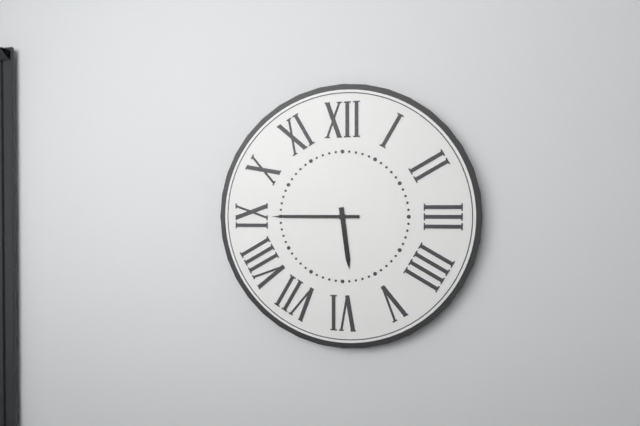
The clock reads 5,45
